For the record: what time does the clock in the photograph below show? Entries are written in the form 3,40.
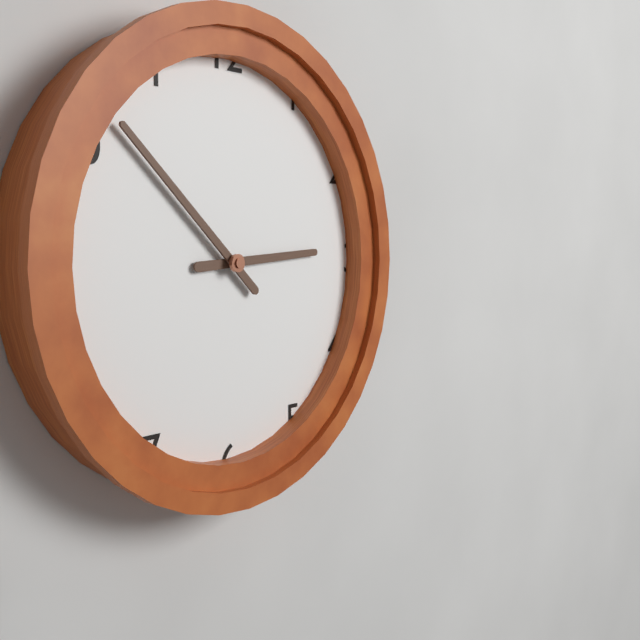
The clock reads 2,52
